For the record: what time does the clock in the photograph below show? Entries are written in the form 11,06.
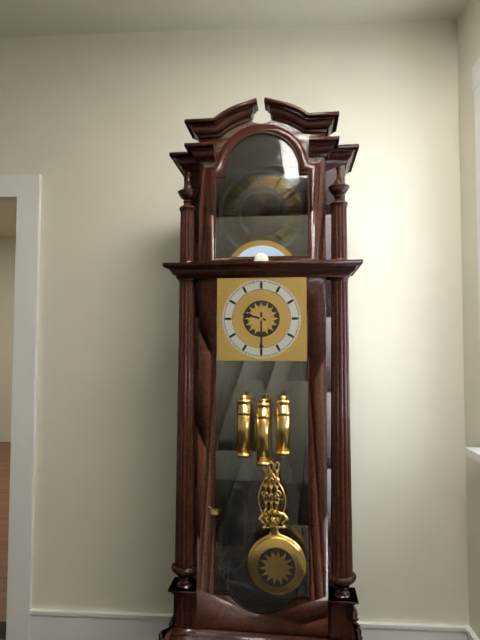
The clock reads 9,30
